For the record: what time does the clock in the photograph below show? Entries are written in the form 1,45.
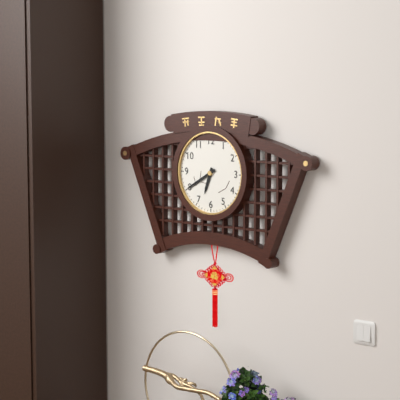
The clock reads 6,40
